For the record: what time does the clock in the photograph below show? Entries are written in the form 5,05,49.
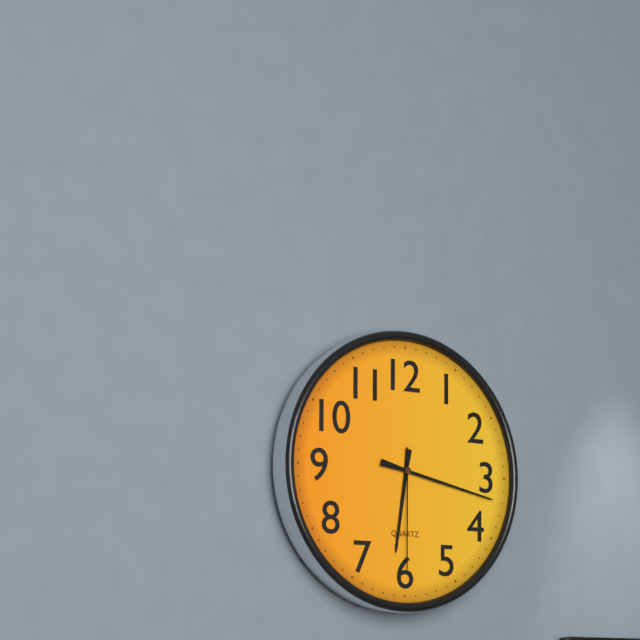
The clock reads 6,17,30
